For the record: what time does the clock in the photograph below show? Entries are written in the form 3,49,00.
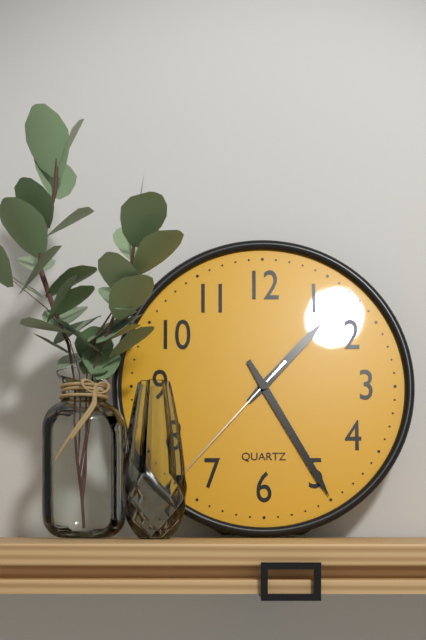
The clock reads 1,25,37
